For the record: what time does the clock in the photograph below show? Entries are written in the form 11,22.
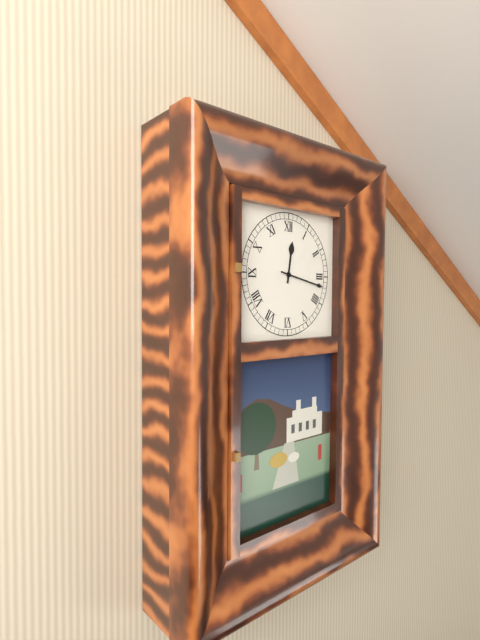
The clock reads 12,17
